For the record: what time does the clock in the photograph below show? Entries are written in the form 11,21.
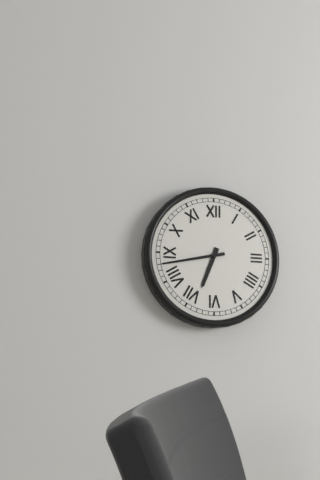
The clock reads 6,43
